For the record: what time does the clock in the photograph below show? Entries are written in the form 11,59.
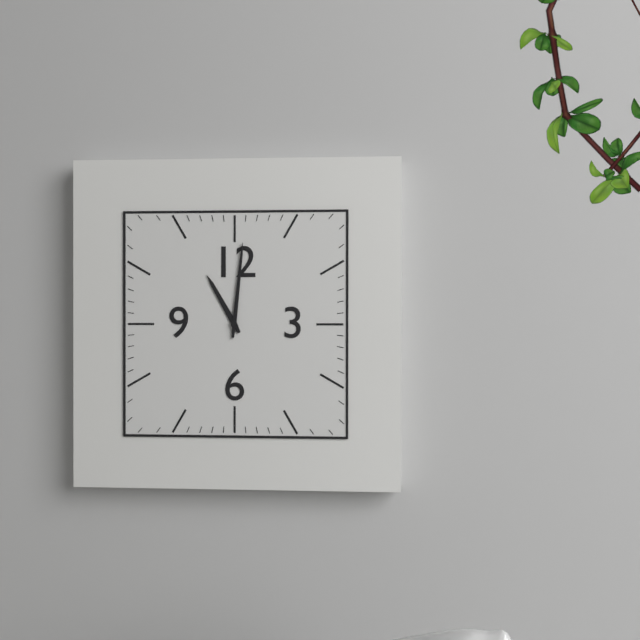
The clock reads 11,01
